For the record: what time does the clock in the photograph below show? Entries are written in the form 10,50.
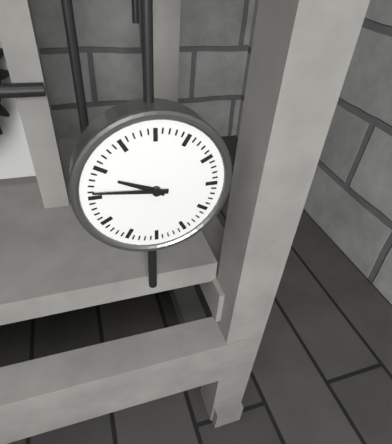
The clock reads 9,46
